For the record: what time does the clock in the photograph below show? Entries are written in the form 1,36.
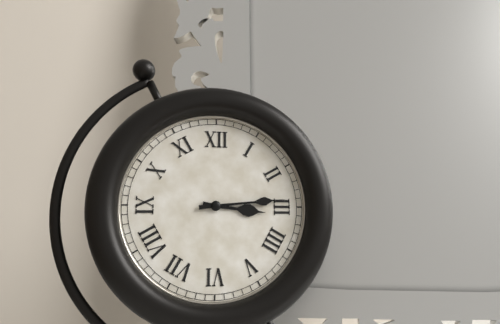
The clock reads 3,14
